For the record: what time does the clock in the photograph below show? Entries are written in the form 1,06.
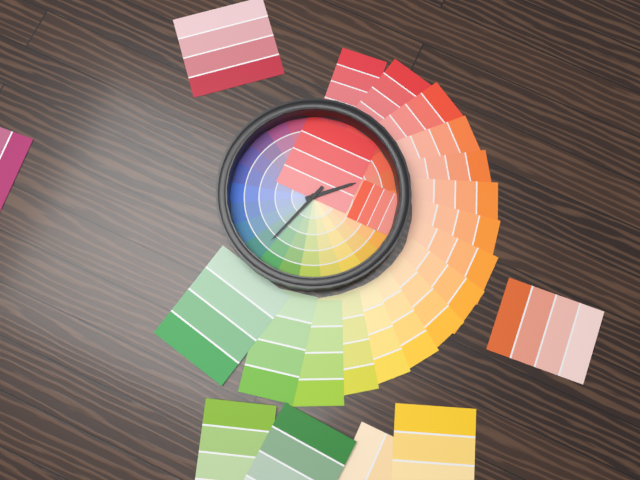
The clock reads 1,33
